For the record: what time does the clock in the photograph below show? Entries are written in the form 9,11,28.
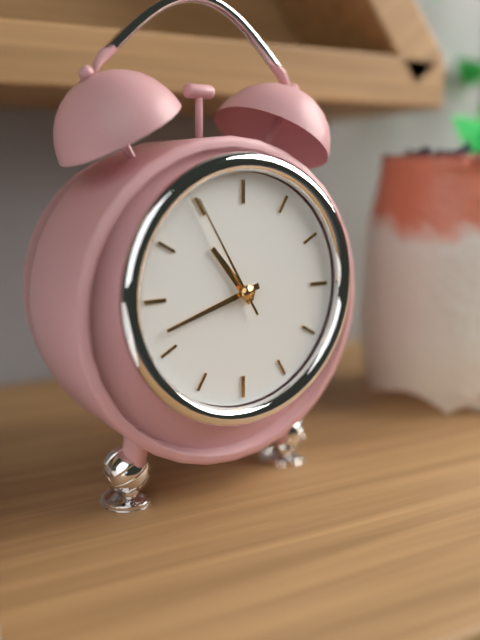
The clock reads 10,42,55
